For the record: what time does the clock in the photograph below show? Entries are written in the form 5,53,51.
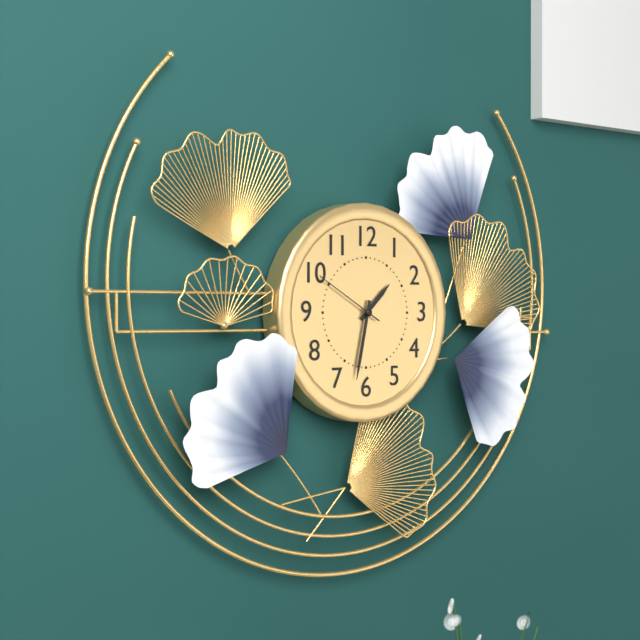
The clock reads 1,32,50
